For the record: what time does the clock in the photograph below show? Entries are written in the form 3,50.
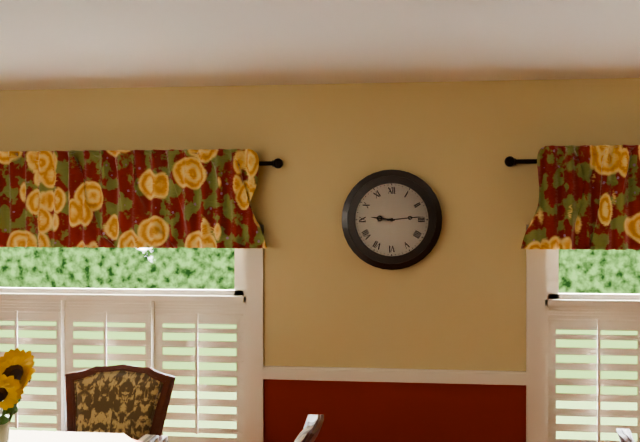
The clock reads 9,14
